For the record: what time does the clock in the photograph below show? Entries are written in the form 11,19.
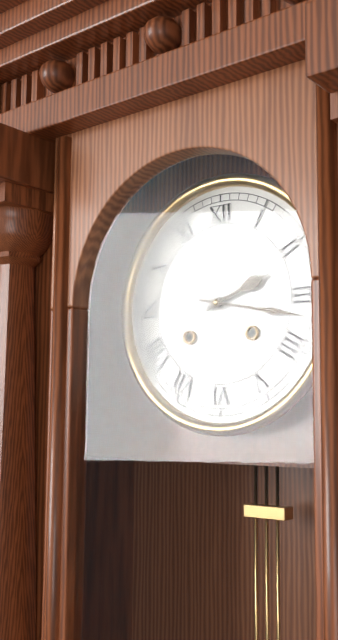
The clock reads 2,17
